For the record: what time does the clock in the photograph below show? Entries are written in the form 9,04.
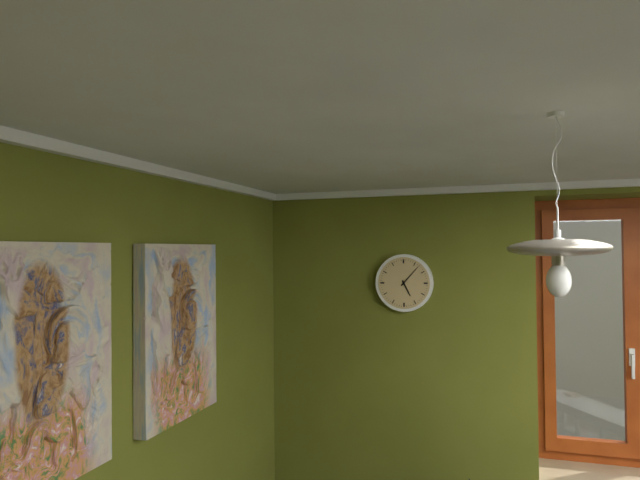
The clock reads 5,07
